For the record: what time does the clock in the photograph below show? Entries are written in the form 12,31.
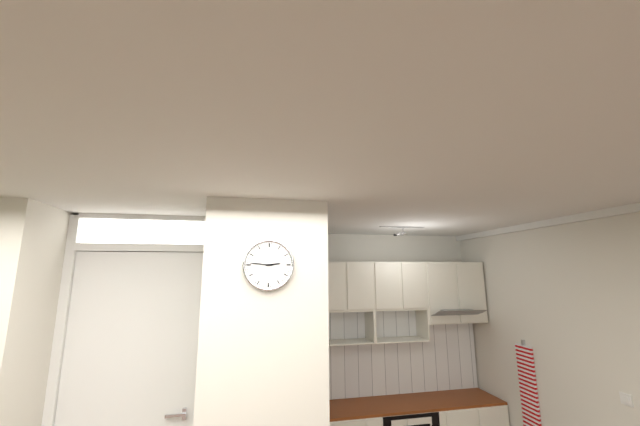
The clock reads 2,46
